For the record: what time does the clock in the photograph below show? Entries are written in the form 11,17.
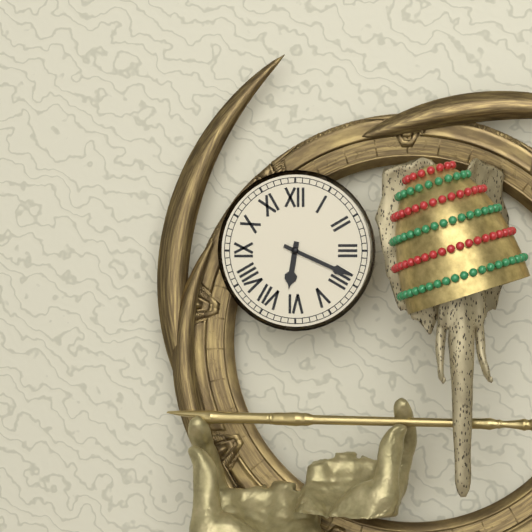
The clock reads 6,19
